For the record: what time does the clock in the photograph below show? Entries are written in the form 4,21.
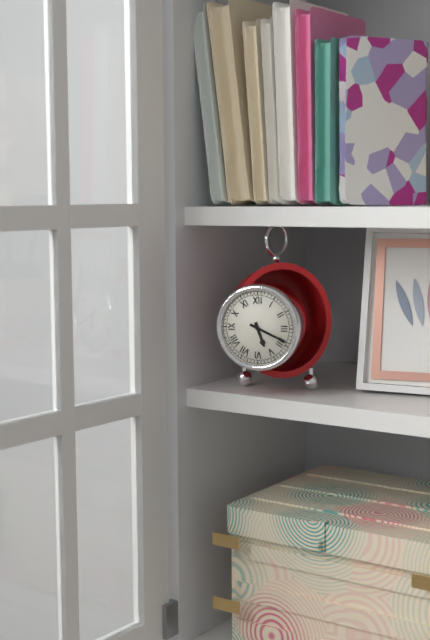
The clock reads 5,19
